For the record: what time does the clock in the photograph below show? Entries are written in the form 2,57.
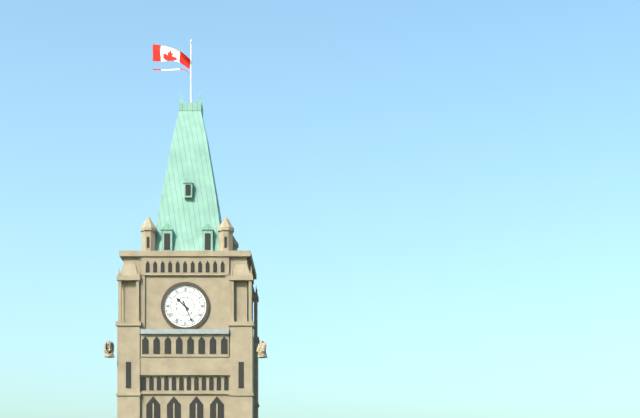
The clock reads 10,26
